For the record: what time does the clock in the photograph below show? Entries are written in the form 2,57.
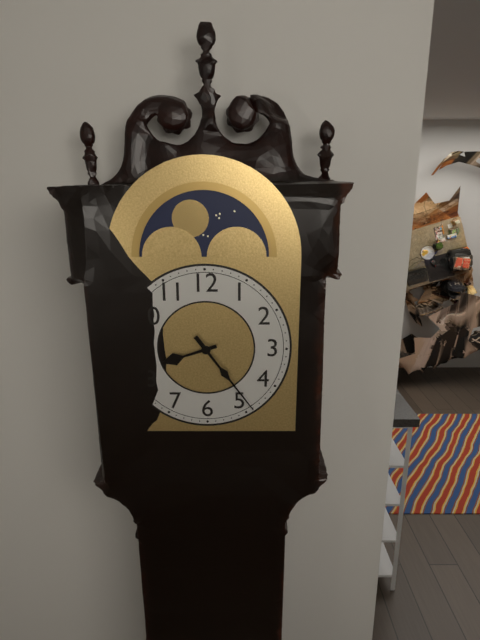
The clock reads 8,24
